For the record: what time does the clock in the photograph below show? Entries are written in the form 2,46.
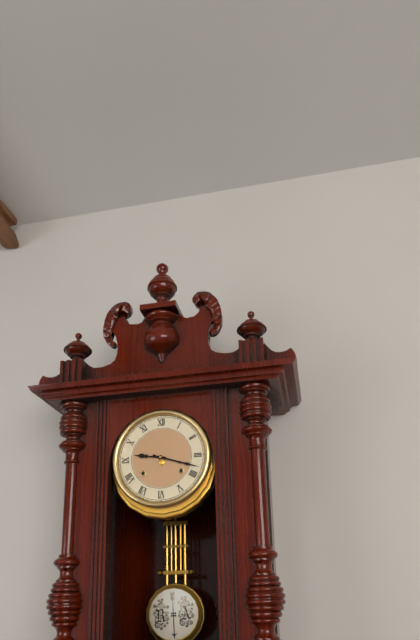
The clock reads 9,18
